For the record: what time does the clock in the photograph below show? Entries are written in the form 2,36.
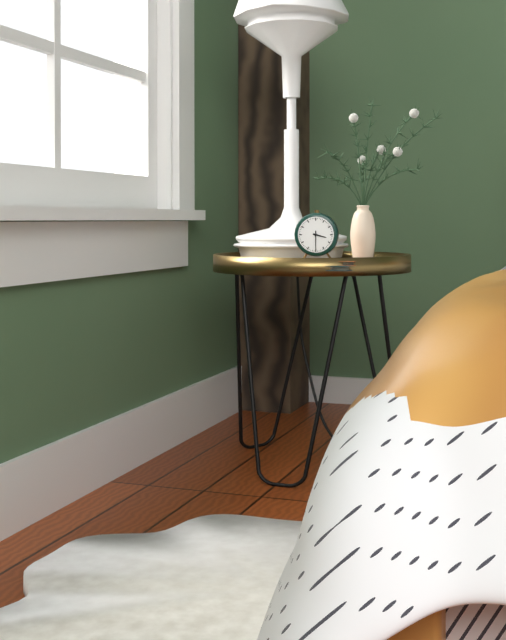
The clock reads 3,30
